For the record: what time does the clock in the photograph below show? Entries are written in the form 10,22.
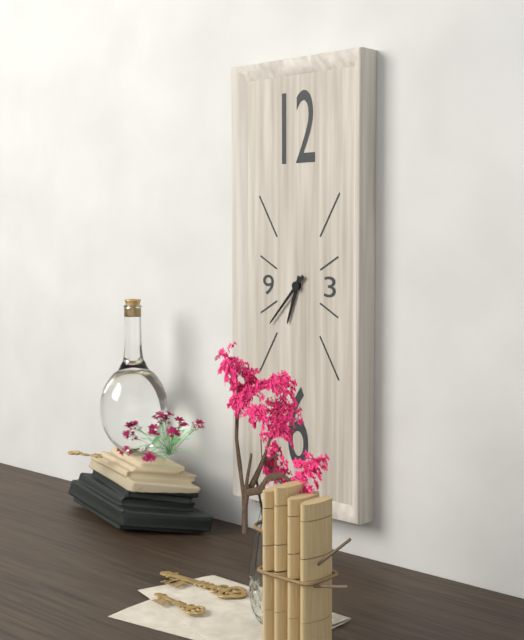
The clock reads 6,37
